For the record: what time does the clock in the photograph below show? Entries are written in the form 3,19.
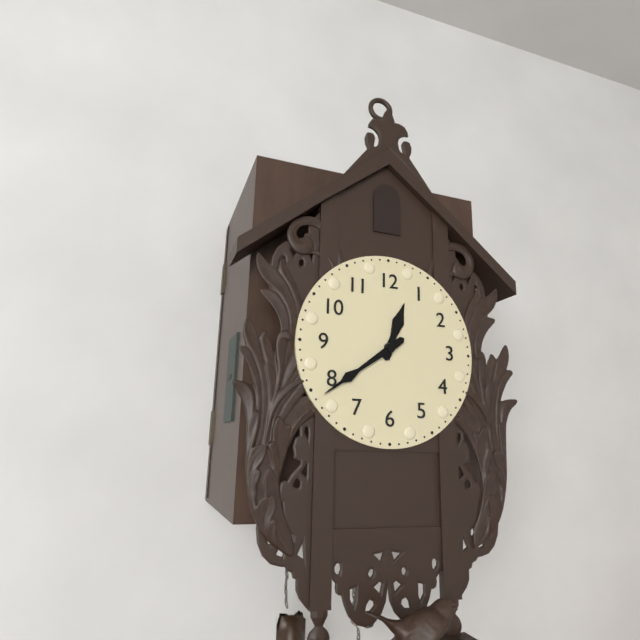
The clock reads 12,39
